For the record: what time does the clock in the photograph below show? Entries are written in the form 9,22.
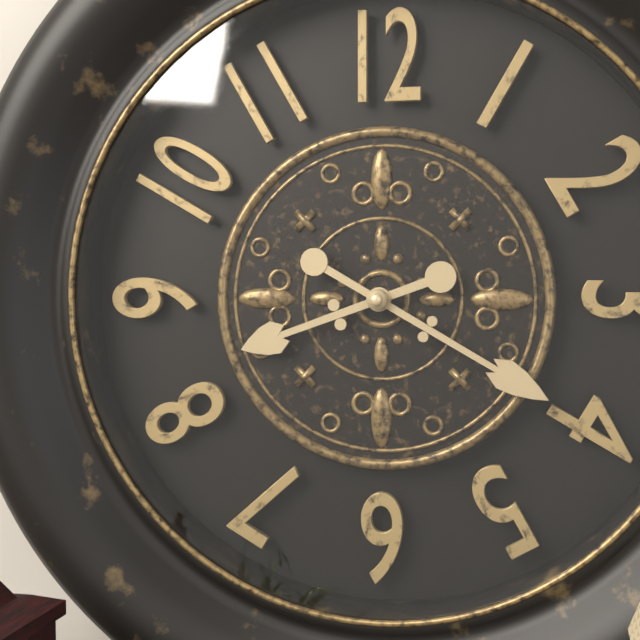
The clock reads 8,20
